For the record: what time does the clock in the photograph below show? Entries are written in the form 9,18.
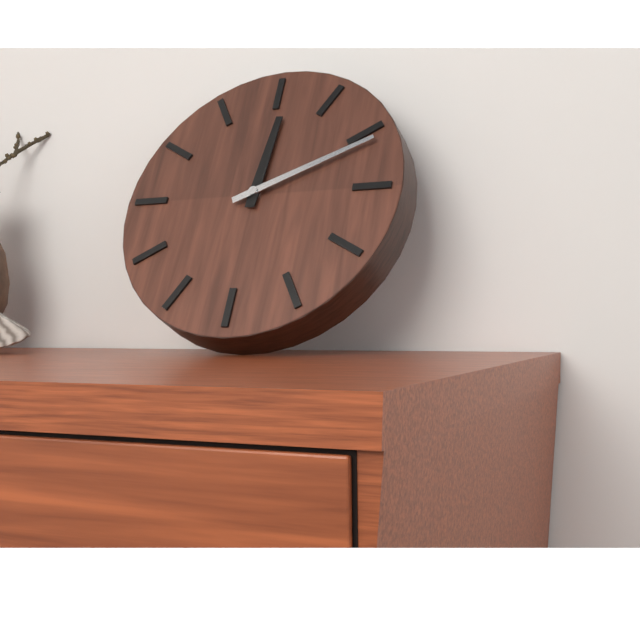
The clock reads 12,11
